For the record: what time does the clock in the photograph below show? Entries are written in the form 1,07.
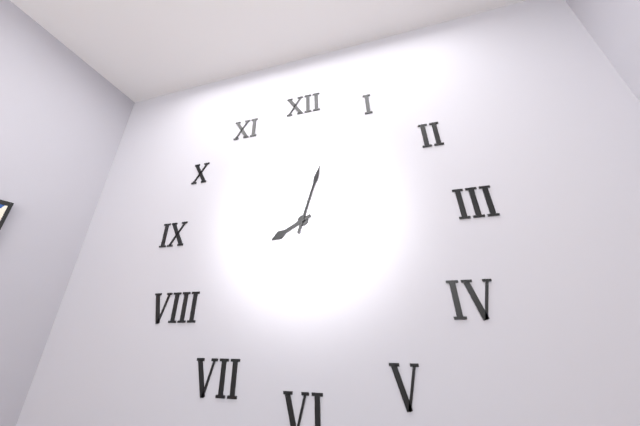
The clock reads 8,03
